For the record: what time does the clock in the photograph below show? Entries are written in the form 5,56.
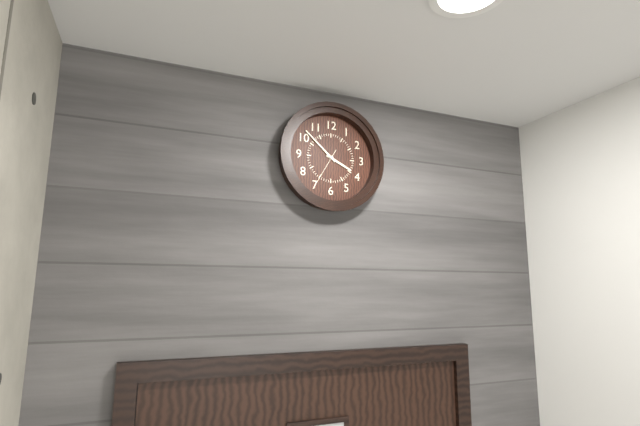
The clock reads 3,52
